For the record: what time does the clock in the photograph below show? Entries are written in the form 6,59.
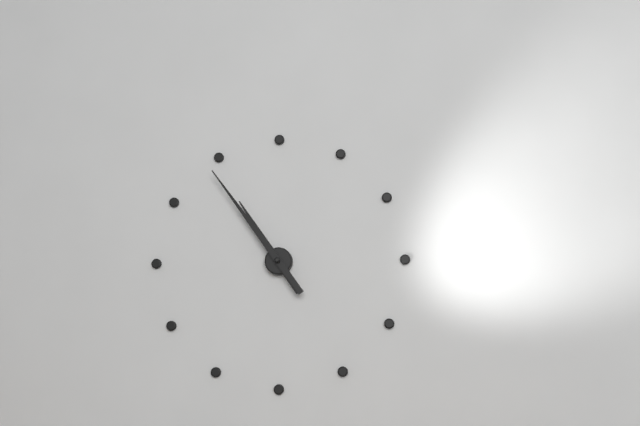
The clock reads 10,54
